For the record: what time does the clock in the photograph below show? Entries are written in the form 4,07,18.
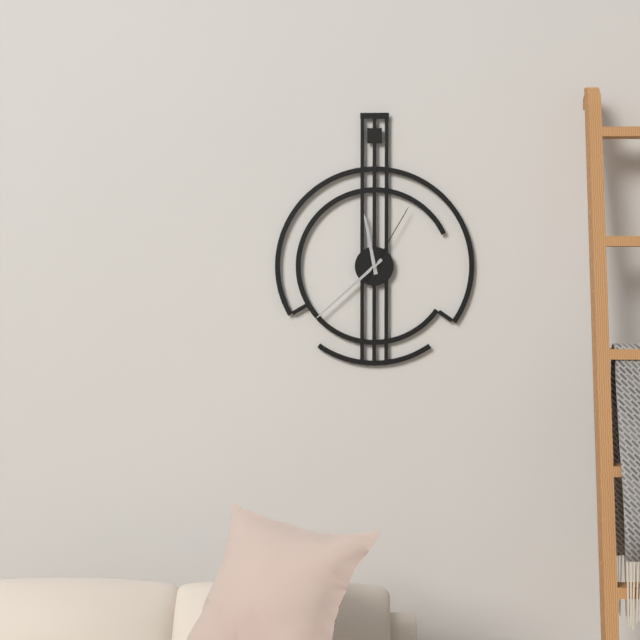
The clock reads 11,38,05
